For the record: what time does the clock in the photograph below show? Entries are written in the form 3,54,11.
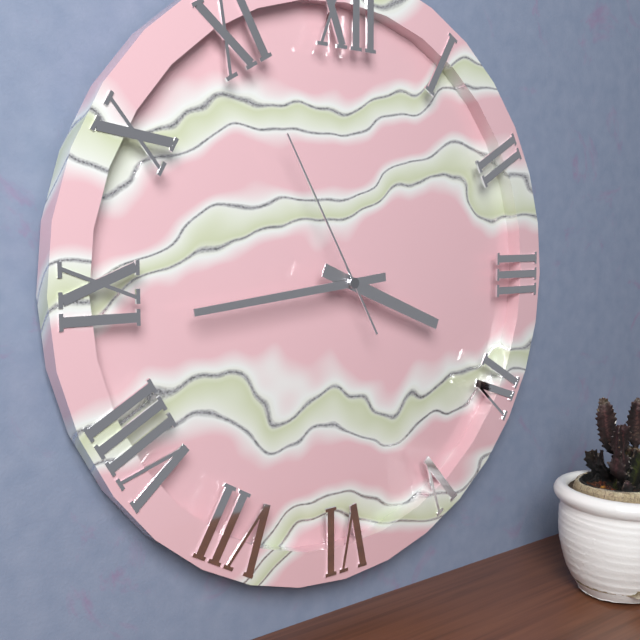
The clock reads 3,44,55
